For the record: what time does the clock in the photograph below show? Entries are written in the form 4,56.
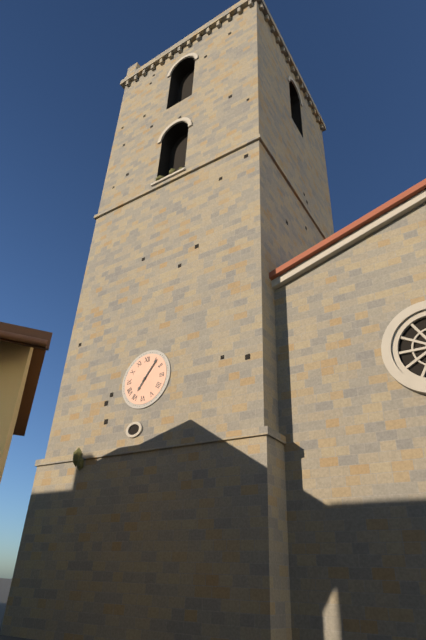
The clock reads 7,06
